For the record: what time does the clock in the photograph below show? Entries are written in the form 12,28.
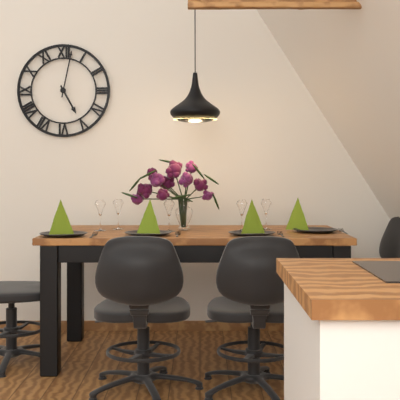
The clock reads 5,02
